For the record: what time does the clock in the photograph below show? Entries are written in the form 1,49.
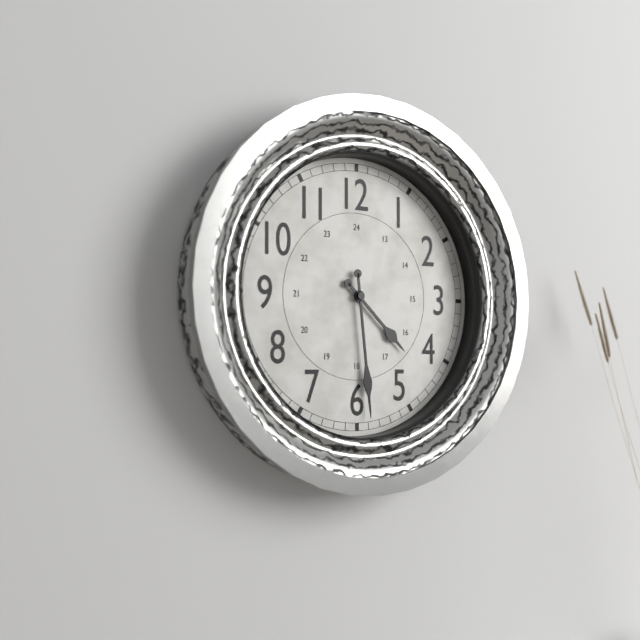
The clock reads 4,29
